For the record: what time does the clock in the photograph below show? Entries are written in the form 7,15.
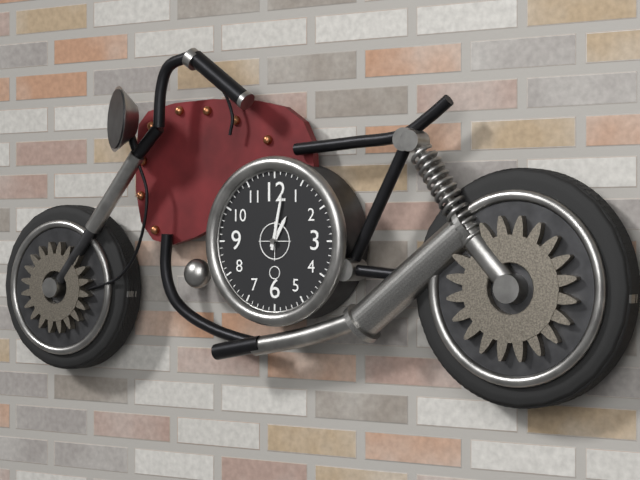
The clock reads 1,02
